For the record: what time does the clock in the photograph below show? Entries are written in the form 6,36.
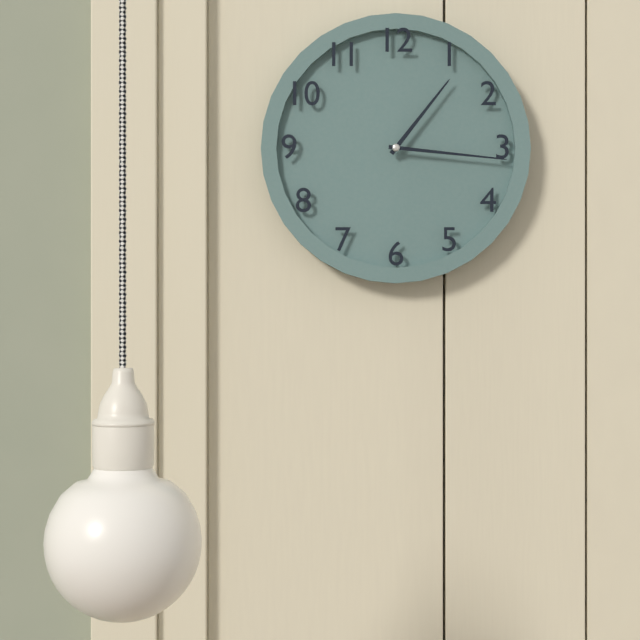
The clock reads 1,16
